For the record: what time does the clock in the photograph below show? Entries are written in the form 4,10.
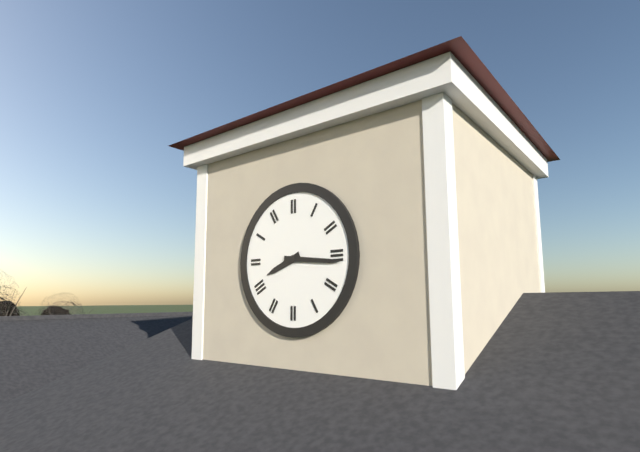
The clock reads 8,16
